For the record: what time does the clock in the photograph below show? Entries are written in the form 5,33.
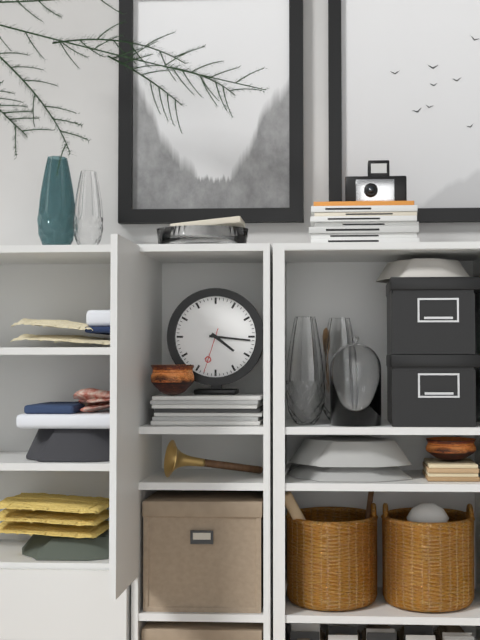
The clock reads 4,16
